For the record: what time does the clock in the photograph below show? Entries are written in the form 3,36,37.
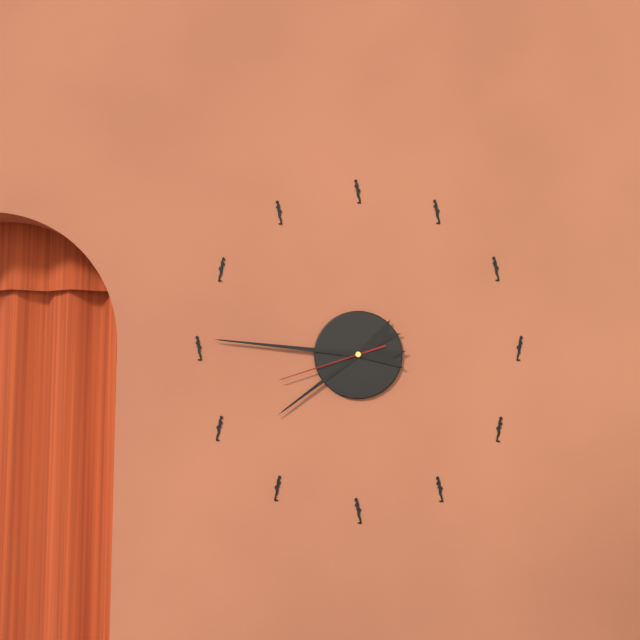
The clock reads 7,46,42
